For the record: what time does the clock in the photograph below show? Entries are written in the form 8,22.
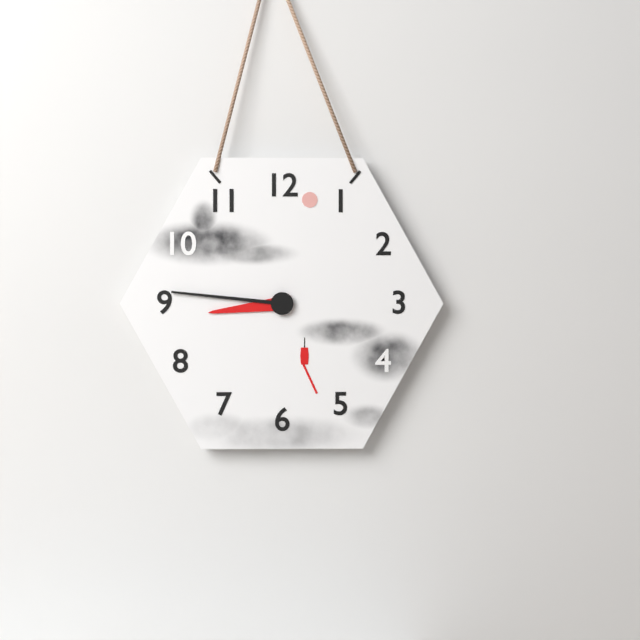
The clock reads 8,46
